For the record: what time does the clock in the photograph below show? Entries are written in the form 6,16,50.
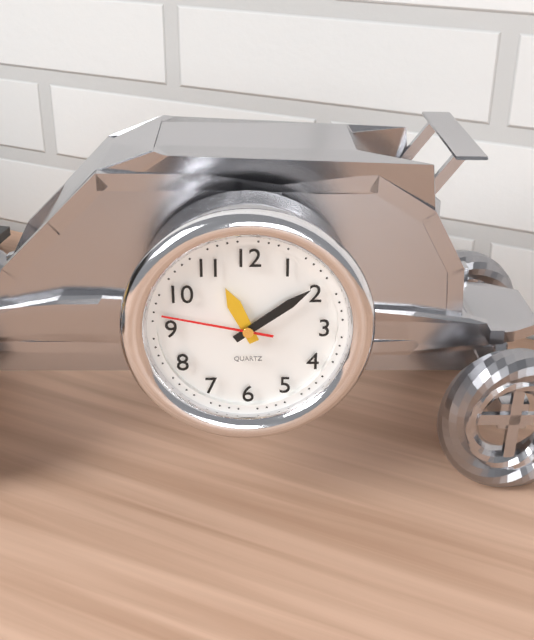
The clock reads 11,09,47
